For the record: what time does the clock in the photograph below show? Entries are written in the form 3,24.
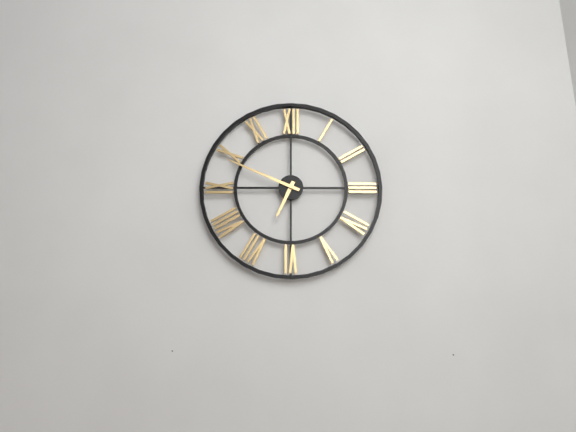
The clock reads 6,49
